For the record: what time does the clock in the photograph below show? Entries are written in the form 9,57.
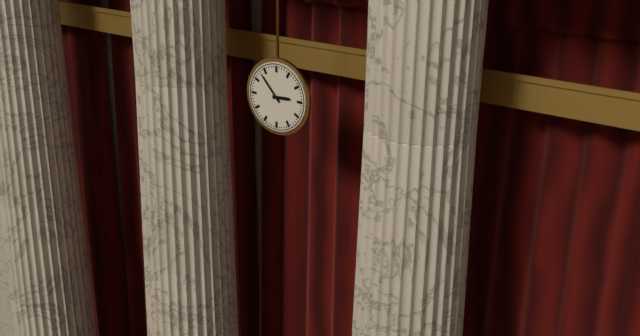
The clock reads 2,53
